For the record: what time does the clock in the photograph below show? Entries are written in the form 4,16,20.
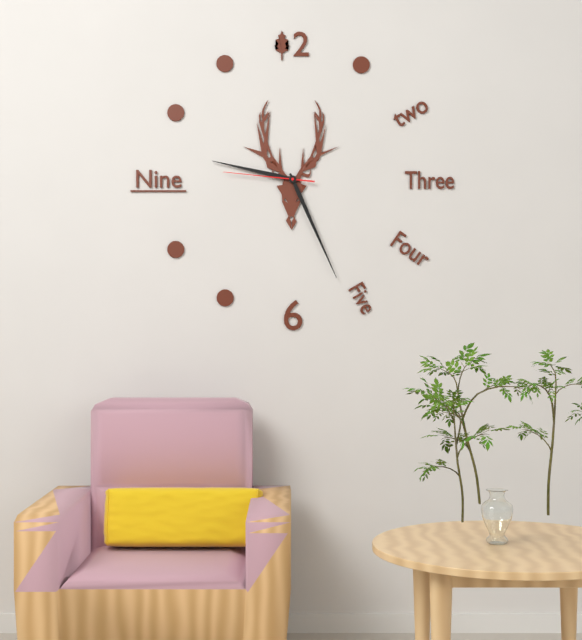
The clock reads 9,26,46
